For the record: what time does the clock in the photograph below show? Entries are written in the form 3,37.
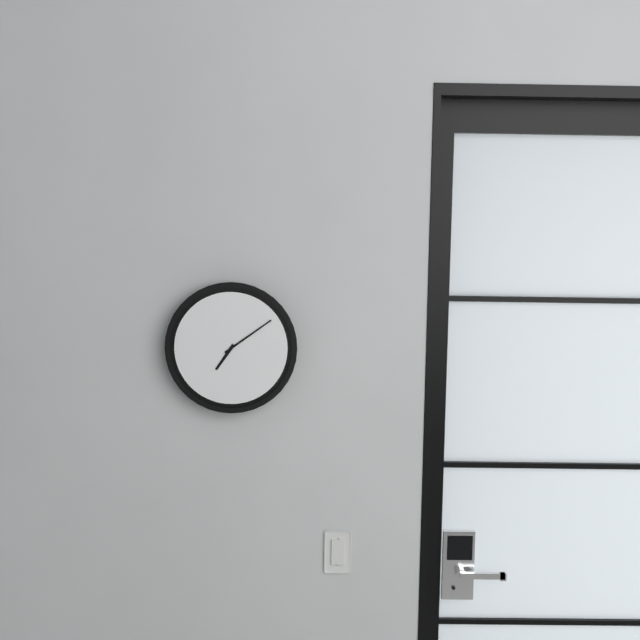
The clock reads 7,09
